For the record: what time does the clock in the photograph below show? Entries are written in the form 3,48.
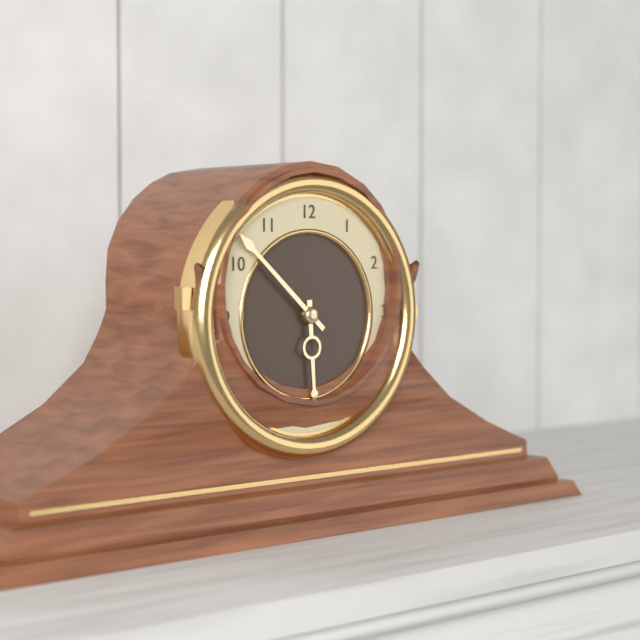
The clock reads 5,52
